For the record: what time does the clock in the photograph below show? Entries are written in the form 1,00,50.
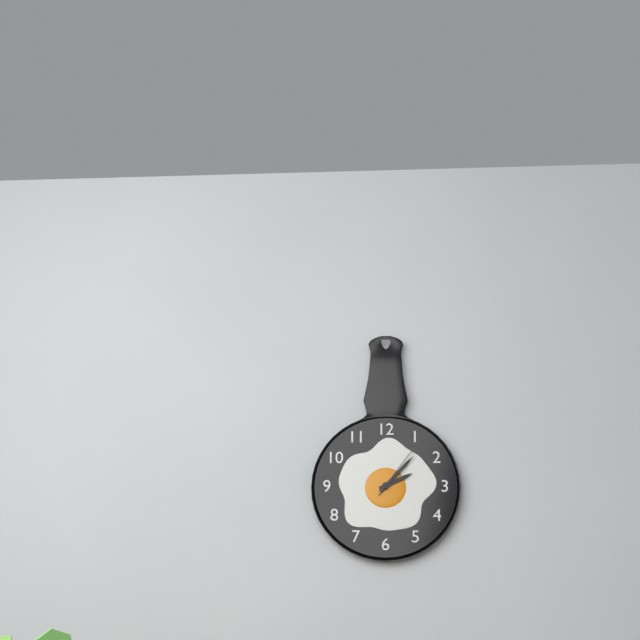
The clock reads 2,07,06
